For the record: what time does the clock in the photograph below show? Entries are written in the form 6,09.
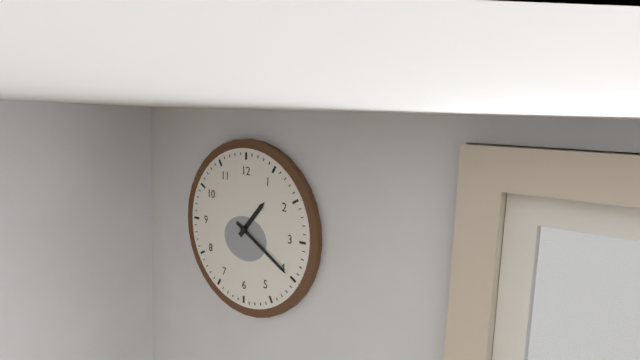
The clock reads 1,20
